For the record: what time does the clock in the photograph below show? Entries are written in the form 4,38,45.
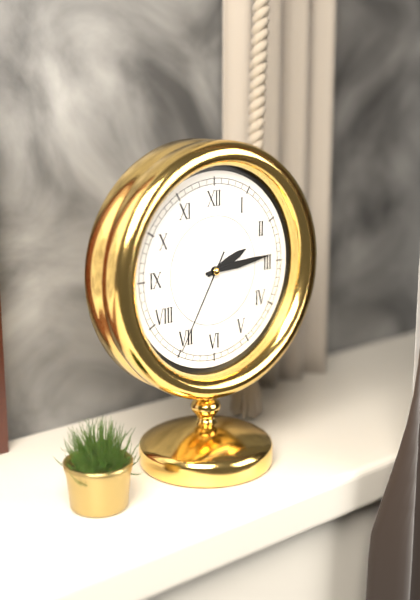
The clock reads 2,14,35
